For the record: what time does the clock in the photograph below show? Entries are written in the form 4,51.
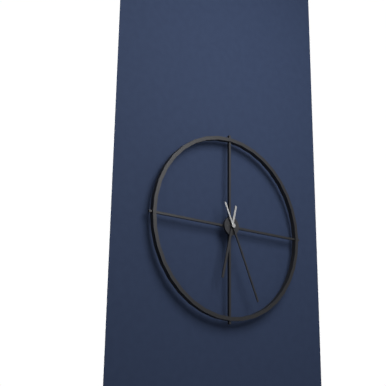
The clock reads 6,26
